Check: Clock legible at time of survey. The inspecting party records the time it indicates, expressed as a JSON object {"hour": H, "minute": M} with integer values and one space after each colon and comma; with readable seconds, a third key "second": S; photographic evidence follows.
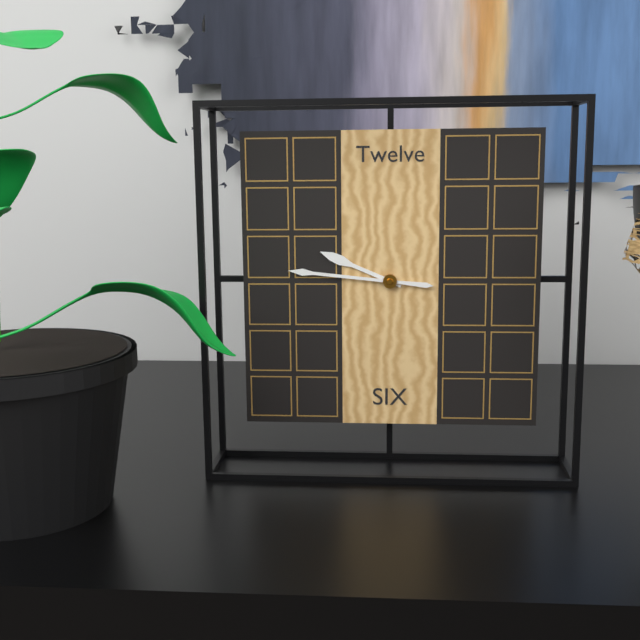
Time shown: {"hour": 9, "minute": 46}
